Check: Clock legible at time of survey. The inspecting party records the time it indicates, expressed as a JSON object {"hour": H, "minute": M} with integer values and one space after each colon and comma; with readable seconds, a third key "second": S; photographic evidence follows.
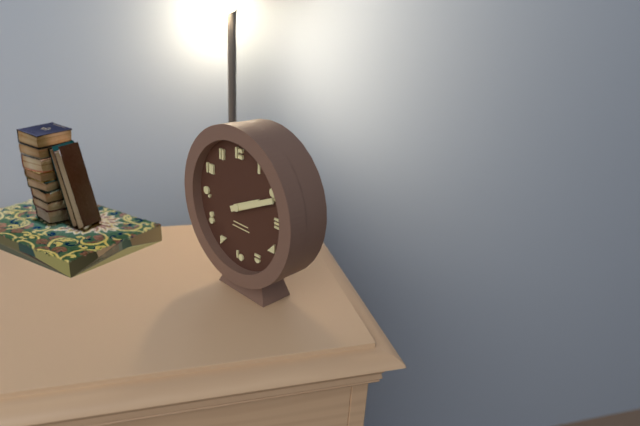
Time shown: {"hour": 2, "minute": 11}
